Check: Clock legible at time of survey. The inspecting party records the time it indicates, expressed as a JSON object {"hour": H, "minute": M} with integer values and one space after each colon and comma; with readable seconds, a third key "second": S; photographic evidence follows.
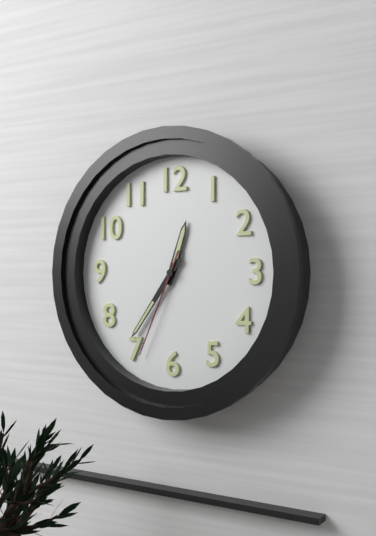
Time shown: {"hour": 12, "minute": 36, "second": 34}
